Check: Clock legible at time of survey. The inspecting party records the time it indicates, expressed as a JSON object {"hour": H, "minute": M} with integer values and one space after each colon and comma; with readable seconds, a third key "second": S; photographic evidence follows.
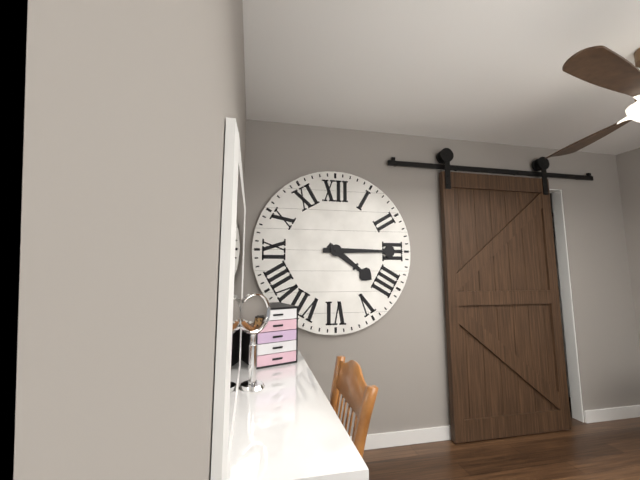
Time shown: {"hour": 4, "minute": 15}
